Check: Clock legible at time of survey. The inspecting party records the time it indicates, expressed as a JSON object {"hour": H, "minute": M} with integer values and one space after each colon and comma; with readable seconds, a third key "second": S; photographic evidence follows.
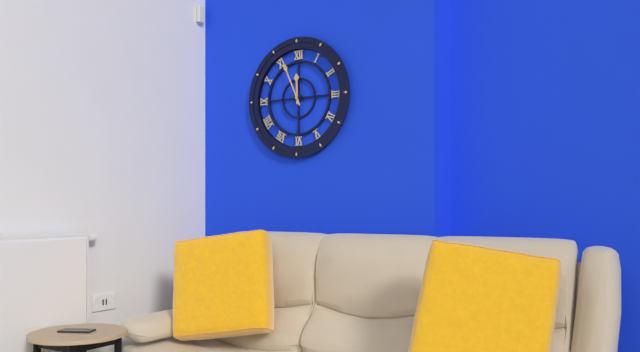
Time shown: {"hour": 11, "minute": 56}
